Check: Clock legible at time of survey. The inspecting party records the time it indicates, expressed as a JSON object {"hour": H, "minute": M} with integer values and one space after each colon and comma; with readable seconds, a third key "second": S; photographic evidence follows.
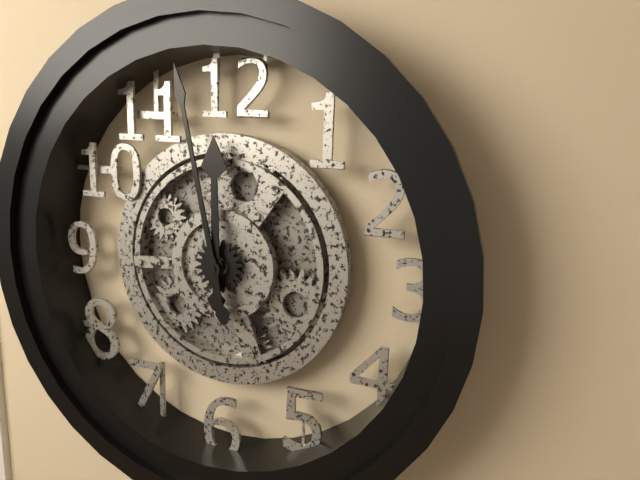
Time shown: {"hour": 11, "minute": 58}
